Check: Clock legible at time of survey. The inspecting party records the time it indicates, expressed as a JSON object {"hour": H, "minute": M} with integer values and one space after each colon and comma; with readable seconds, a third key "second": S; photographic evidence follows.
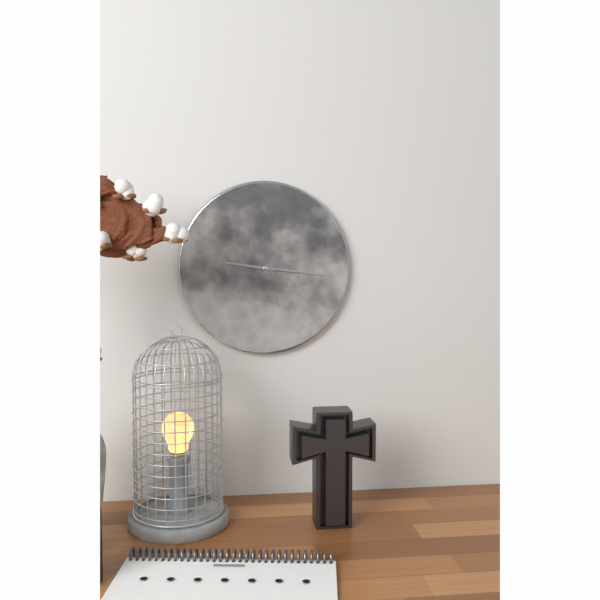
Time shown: {"hour": 9, "minute": 16}
